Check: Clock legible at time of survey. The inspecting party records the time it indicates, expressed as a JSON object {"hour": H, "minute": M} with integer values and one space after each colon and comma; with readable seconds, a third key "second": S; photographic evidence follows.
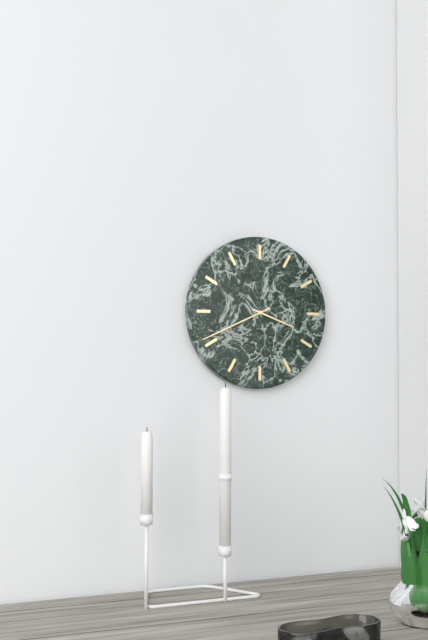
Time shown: {"hour": 3, "minute": 41}
